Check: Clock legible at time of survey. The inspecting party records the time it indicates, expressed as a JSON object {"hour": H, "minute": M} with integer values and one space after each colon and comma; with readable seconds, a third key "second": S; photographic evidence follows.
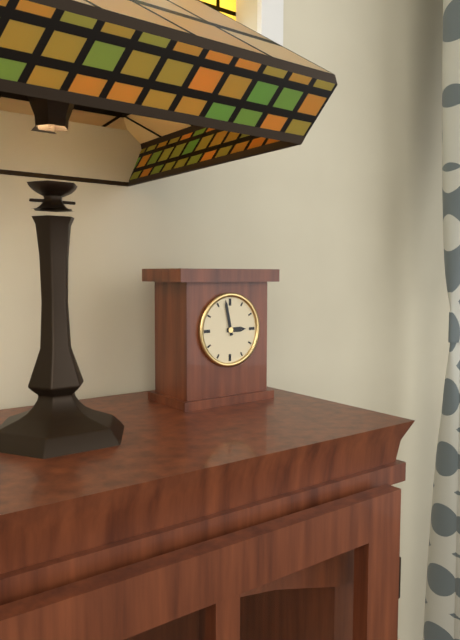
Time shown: {"hour": 2, "minute": 58}
